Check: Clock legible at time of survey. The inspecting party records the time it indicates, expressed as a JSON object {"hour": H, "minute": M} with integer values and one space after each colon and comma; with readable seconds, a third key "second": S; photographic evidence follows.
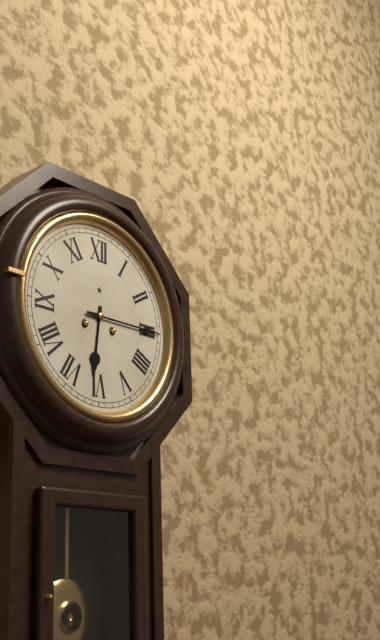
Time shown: {"hour": 6, "minute": 15}
